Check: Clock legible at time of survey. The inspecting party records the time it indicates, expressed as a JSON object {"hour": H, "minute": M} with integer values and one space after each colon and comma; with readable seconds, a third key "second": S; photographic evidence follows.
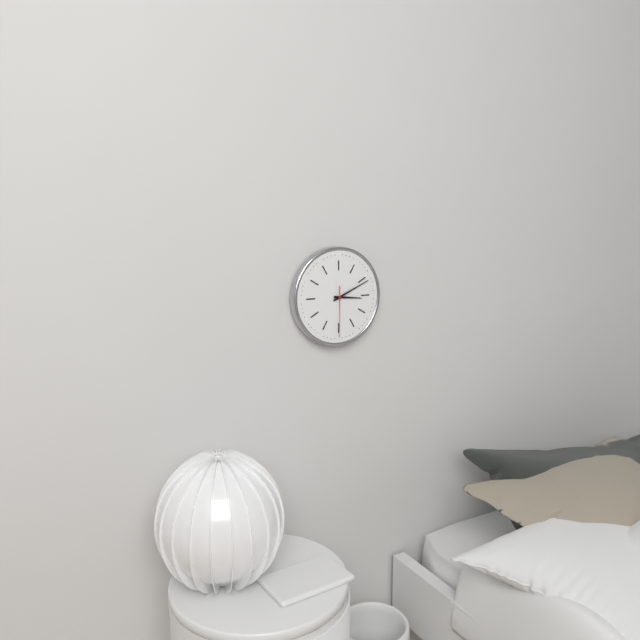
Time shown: {"hour": 3, "minute": 11, "second": 30}
